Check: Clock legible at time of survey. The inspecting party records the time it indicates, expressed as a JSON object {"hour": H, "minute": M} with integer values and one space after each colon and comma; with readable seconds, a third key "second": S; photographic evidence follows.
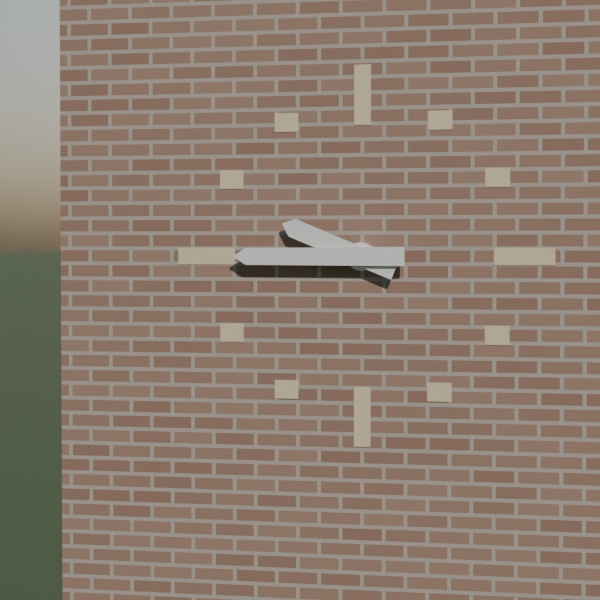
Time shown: {"hour": 9, "minute": 45}
